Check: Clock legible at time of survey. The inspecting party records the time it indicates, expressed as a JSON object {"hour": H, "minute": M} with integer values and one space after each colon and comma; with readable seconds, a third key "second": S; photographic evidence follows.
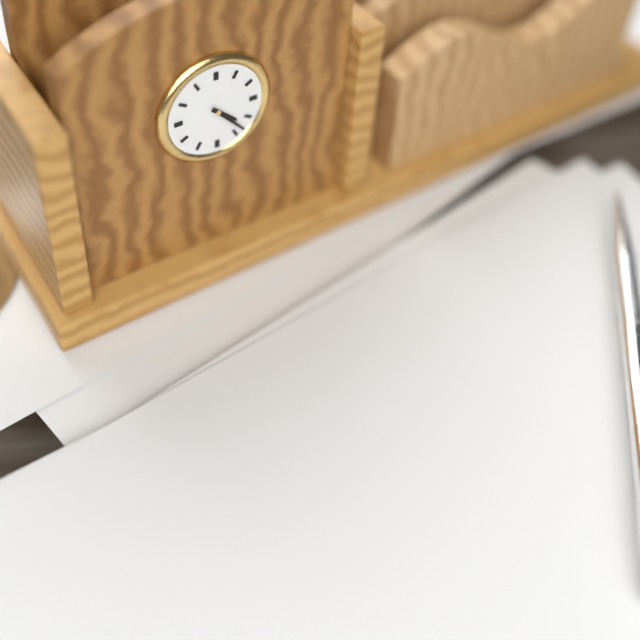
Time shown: {"hour": 4, "minute": 23}
